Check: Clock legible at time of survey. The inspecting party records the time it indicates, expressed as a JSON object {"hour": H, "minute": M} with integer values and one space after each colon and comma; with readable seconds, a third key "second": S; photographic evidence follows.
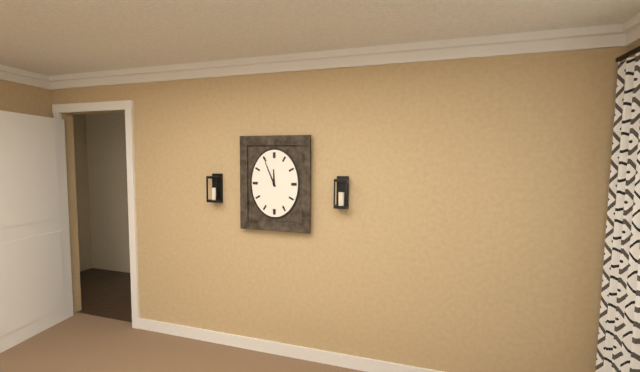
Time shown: {"hour": 11, "minute": 56}
